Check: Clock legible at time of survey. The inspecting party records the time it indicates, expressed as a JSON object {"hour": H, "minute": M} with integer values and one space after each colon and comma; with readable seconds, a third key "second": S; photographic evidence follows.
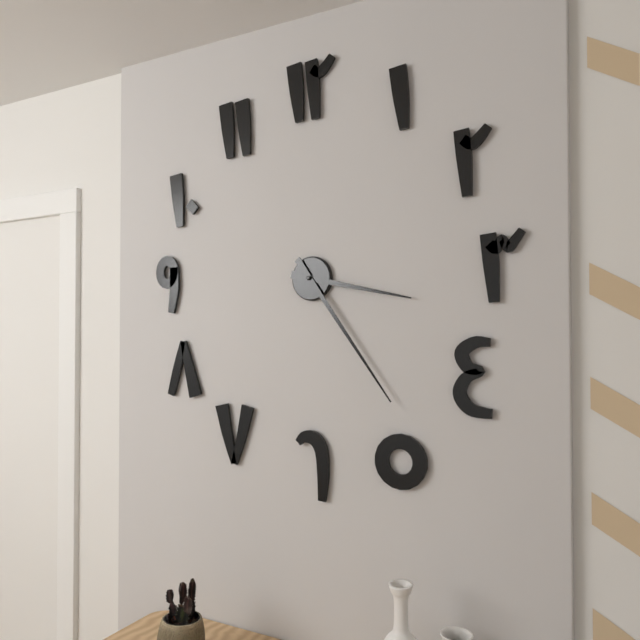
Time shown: {"hour": 3, "minute": 24}
